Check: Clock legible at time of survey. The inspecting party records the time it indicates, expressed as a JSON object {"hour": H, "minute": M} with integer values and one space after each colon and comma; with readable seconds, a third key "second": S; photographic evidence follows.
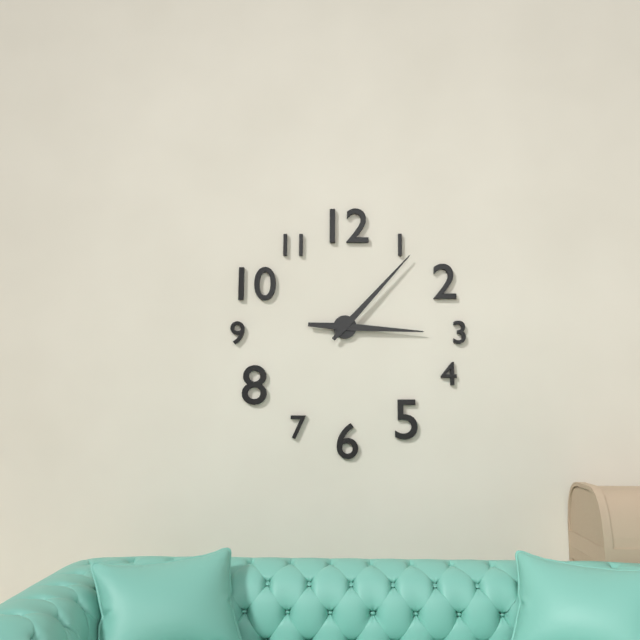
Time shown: {"hour": 3, "minute": 7}
